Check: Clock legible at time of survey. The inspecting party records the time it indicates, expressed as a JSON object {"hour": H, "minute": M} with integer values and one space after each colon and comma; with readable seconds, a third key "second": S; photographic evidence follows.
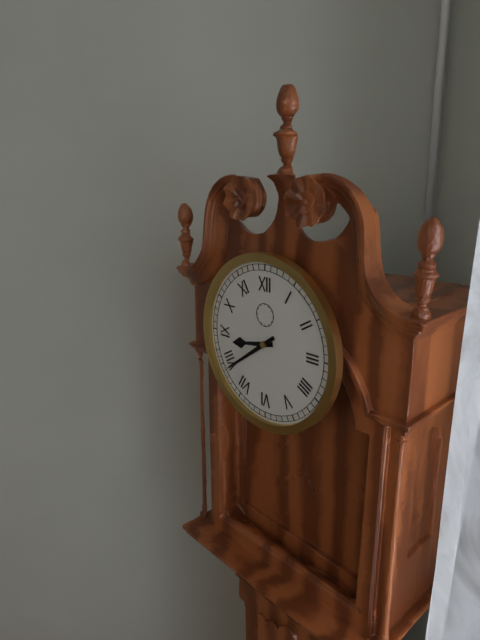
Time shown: {"hour": 8, "minute": 39}
